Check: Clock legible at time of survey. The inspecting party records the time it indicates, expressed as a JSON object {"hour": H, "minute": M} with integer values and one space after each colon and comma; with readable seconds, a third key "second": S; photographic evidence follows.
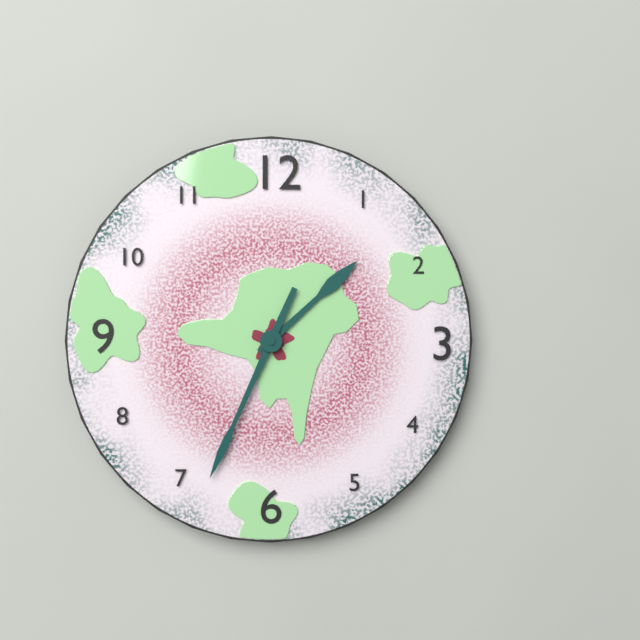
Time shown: {"hour": 1, "minute": 34}
